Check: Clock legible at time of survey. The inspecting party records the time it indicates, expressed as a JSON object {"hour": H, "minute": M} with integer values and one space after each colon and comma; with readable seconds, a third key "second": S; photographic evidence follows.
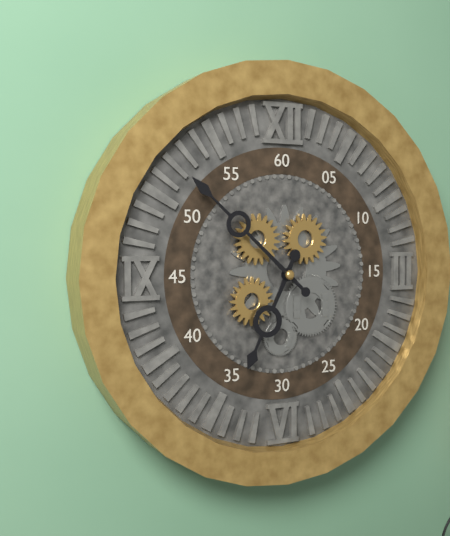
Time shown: {"hour": 6, "minute": 52}
